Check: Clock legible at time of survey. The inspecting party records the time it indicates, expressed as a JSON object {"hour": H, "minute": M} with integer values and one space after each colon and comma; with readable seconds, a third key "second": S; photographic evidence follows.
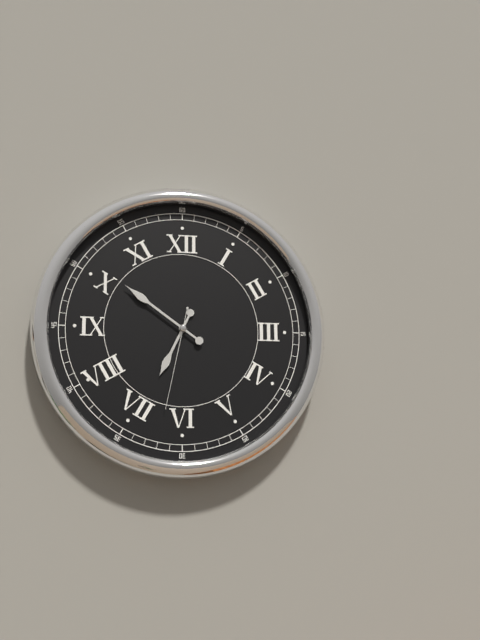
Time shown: {"hour": 6, "minute": 51, "second": 32}
